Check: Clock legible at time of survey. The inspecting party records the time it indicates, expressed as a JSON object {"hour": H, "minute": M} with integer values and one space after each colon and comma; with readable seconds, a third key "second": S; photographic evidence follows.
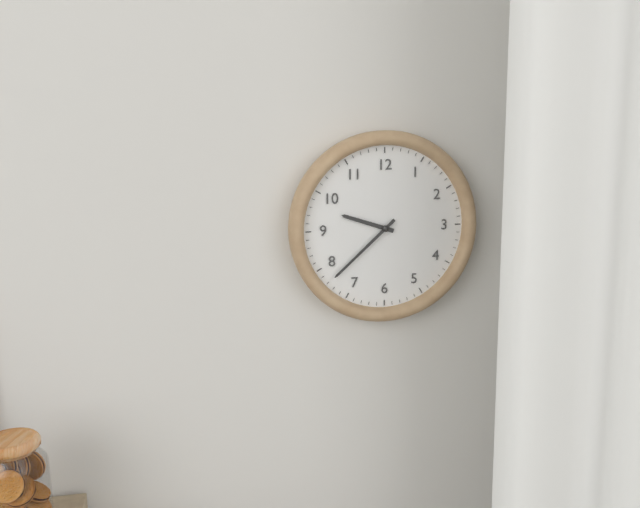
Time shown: {"hour": 9, "minute": 38}
